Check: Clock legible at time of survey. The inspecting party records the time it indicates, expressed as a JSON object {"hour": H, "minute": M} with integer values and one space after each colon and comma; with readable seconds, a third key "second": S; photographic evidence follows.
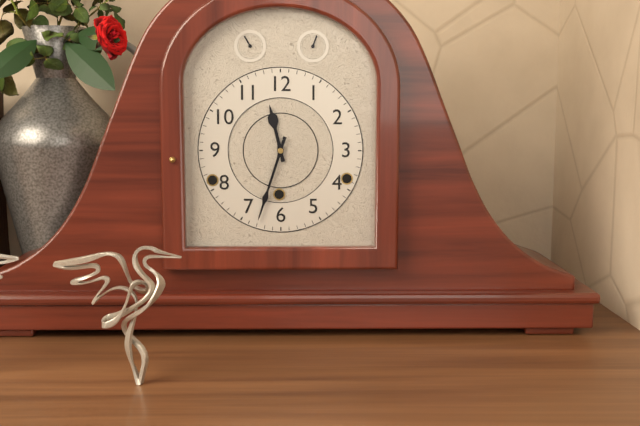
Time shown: {"hour": 11, "minute": 33}
